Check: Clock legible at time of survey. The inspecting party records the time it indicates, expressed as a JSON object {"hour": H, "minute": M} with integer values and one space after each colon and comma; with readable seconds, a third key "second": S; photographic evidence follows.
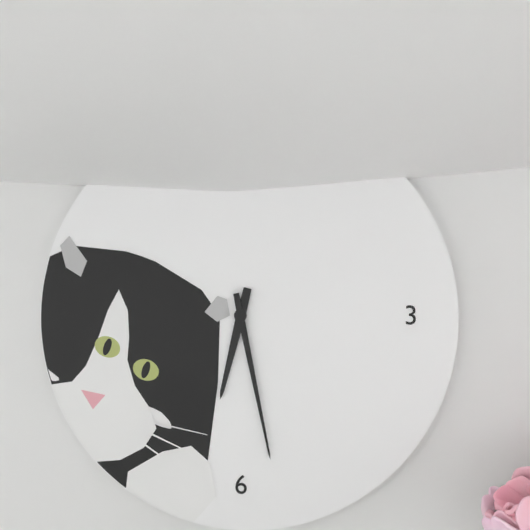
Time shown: {"hour": 6, "minute": 28}
